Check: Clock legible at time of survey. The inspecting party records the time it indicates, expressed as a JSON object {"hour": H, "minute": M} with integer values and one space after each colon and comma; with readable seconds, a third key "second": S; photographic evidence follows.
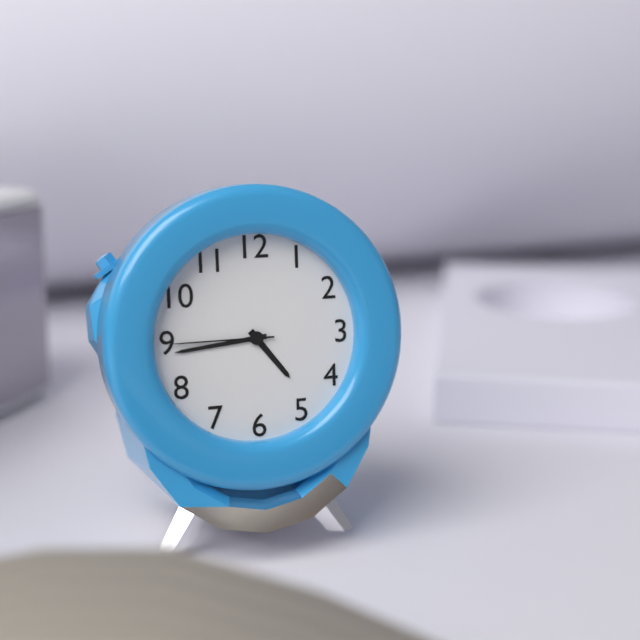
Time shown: {"hour": 4, "minute": 44, "second": 45}
